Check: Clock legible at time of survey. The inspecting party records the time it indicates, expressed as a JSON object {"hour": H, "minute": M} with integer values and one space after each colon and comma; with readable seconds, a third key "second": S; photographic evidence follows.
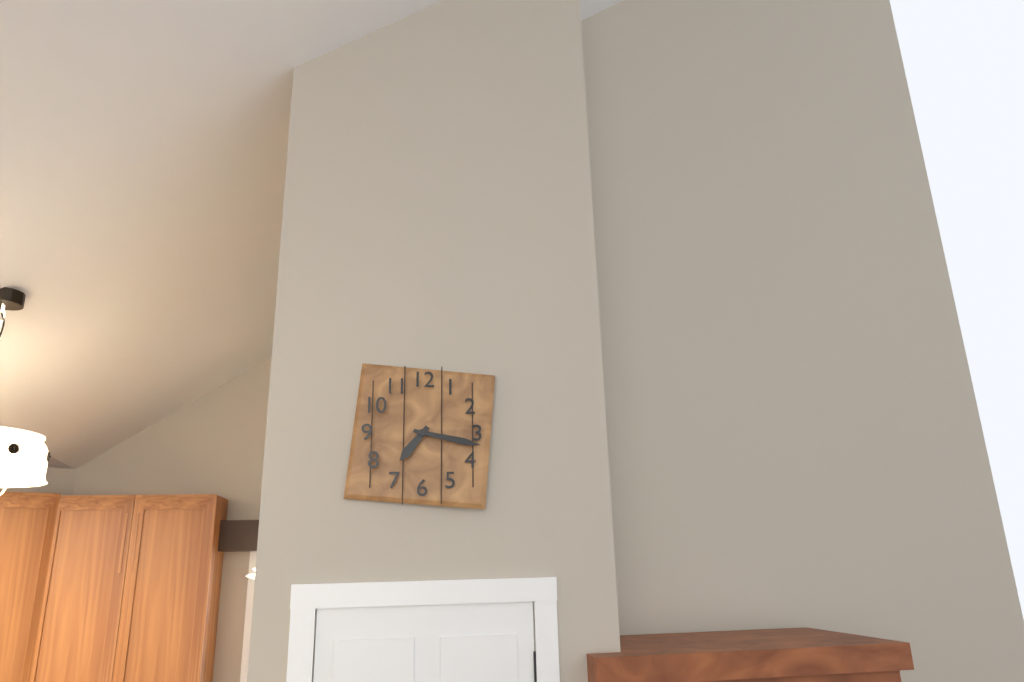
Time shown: {"hour": 7, "minute": 17}
